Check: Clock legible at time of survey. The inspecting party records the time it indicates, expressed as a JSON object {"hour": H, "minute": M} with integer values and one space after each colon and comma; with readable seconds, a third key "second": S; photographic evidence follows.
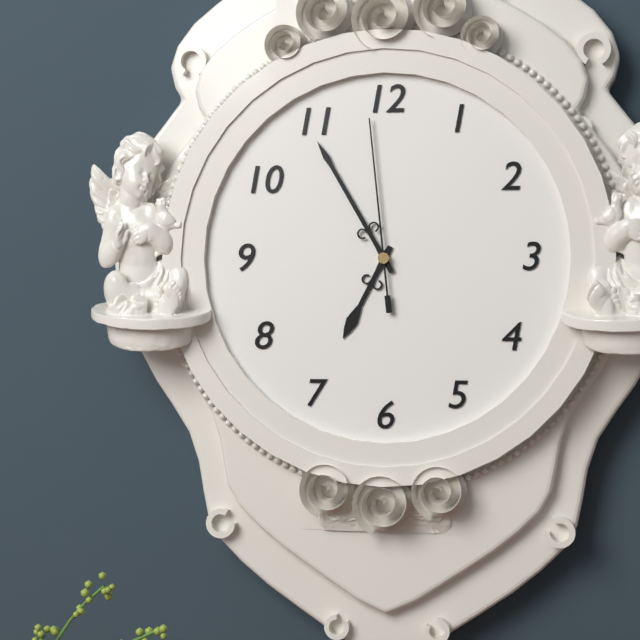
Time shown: {"hour": 6, "minute": 55, "second": 59}
